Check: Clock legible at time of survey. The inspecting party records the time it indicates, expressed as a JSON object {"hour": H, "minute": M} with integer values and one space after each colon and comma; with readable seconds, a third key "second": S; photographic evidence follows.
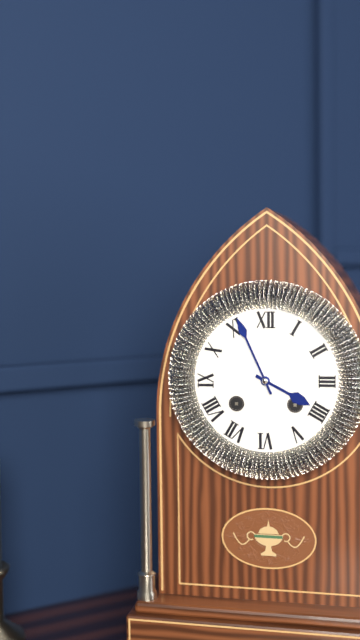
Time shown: {"hour": 3, "minute": 56}
